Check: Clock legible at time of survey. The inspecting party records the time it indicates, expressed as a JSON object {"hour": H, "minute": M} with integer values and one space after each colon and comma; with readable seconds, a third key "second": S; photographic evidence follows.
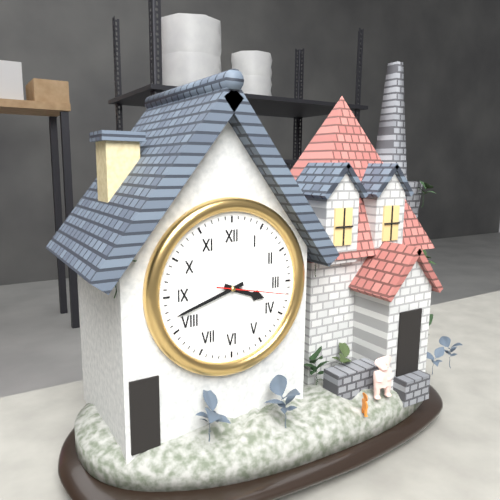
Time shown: {"hour": 3, "minute": 42, "second": 17}
